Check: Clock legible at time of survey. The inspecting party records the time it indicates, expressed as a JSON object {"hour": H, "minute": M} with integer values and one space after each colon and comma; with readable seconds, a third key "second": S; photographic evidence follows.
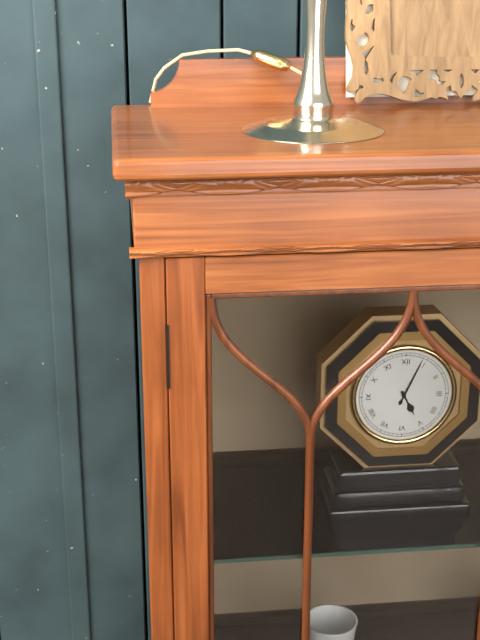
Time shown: {"hour": 5, "minute": 4}
